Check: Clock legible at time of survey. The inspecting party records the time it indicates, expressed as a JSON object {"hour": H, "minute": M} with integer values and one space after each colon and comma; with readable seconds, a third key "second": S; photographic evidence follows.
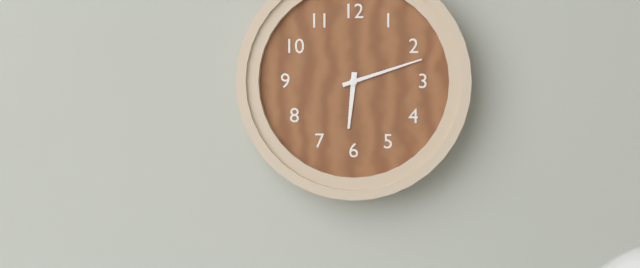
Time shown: {"hour": 6, "minute": 12}
